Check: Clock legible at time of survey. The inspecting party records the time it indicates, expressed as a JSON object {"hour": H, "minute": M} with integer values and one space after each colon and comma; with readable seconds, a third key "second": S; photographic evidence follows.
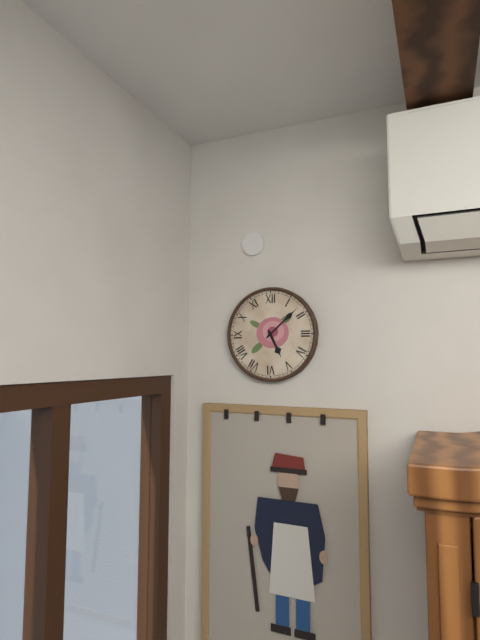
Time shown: {"hour": 5, "minute": 8}
